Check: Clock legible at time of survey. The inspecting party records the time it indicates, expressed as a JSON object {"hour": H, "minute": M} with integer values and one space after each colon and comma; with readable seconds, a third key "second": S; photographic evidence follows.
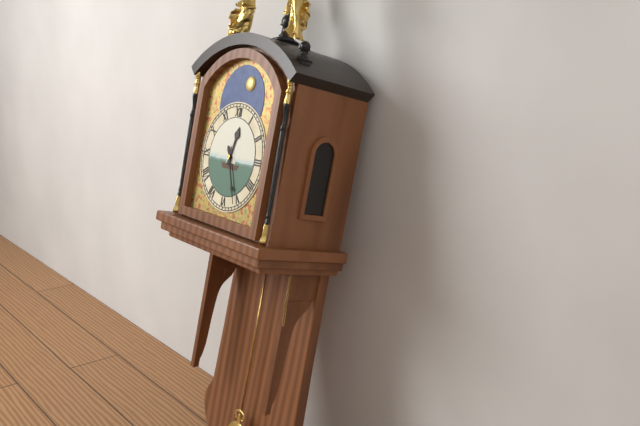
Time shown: {"hour": 12, "minute": 26}
